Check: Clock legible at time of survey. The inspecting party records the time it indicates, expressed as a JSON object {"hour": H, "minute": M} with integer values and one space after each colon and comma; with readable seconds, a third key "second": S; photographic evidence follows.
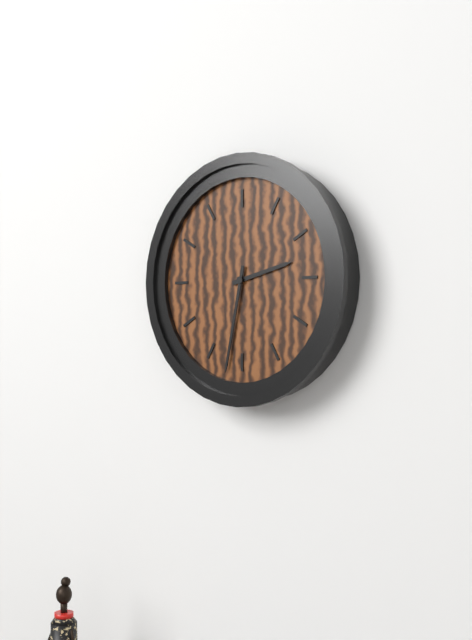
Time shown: {"hour": 2, "minute": 32}
